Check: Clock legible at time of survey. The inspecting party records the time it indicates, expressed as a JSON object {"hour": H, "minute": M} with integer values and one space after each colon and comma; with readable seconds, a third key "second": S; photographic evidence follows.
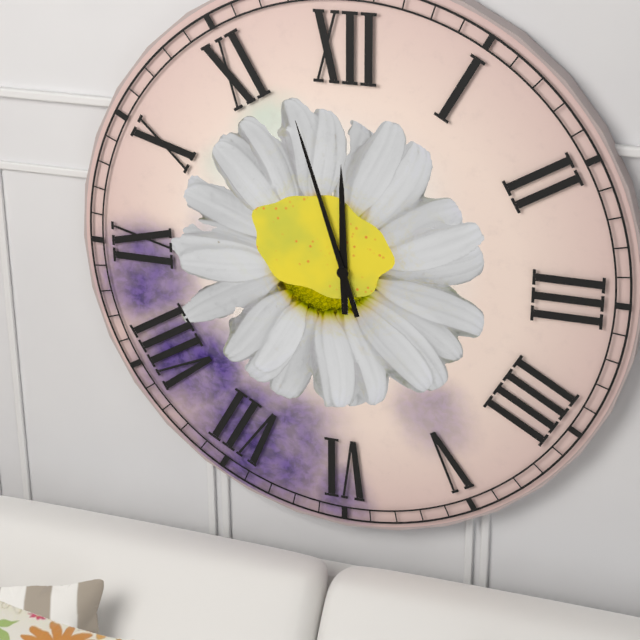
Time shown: {"hour": 11, "minute": 57}
